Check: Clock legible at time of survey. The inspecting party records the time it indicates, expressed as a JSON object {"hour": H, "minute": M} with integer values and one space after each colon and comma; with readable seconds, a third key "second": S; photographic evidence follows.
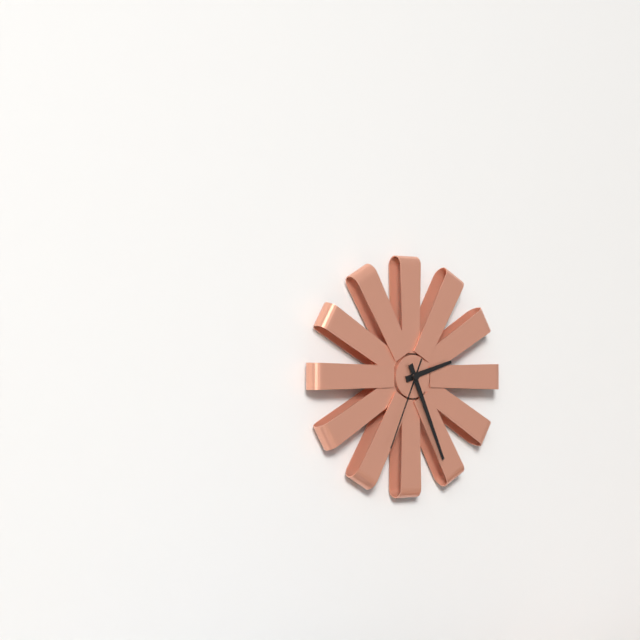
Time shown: {"hour": 2, "minute": 26, "second": 34}
